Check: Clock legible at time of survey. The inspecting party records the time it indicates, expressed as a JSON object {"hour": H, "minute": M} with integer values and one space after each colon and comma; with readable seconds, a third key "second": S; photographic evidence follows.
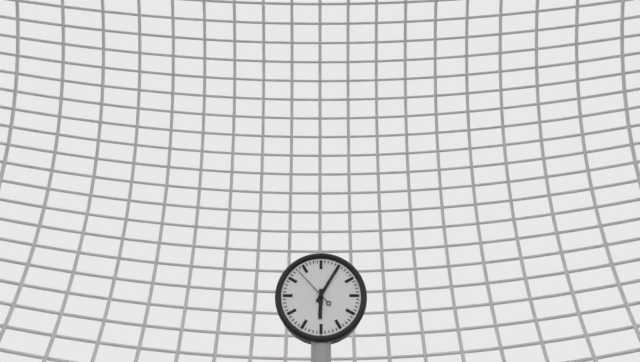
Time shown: {"hour": 6, "minute": 5}
